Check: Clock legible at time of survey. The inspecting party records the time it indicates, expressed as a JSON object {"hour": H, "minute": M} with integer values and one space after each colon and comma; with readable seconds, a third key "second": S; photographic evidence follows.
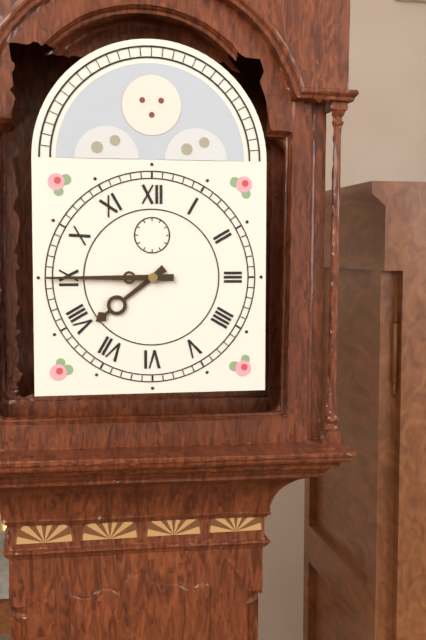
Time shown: {"hour": 7, "minute": 45}
